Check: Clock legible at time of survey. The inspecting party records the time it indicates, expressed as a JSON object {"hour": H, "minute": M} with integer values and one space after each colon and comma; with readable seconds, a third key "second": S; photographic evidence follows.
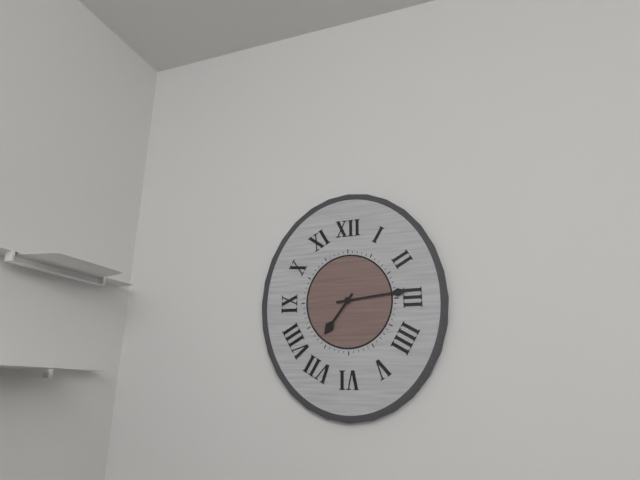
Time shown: {"hour": 7, "minute": 14}
